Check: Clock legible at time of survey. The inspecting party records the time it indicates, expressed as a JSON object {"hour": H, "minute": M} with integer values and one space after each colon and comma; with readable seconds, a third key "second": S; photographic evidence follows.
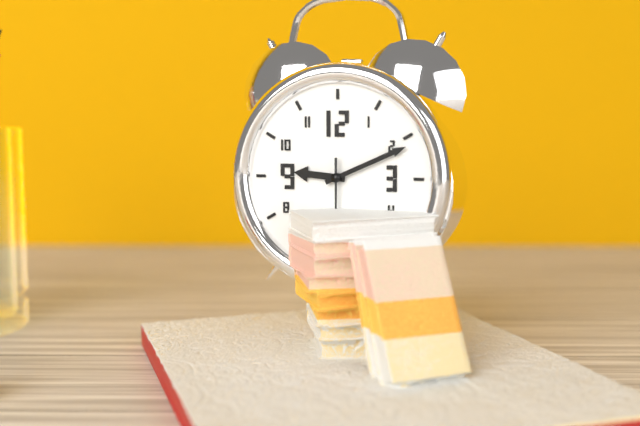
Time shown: {"hour": 9, "minute": 11}
